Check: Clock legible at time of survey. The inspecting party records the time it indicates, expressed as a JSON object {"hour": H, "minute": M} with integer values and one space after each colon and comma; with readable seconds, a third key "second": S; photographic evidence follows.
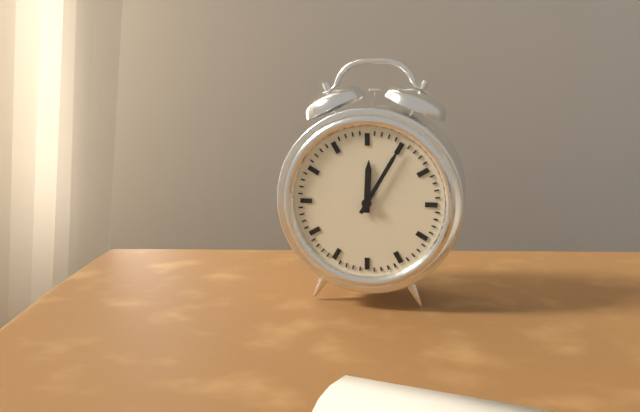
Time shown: {"hour": 12, "minute": 5}
